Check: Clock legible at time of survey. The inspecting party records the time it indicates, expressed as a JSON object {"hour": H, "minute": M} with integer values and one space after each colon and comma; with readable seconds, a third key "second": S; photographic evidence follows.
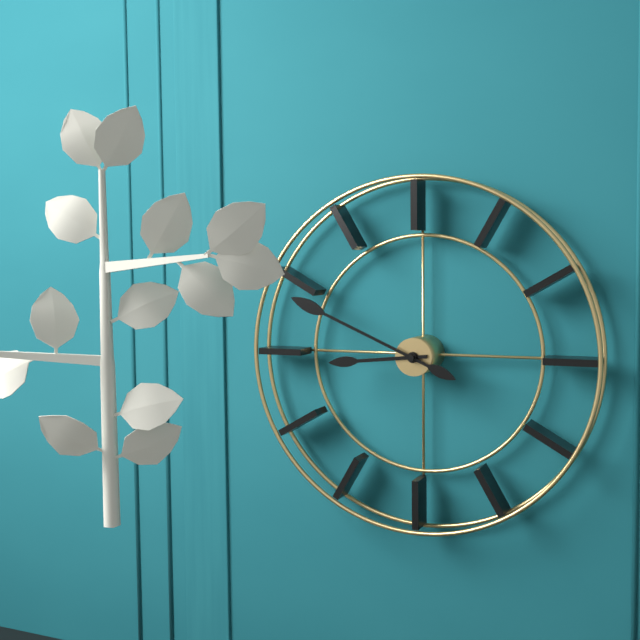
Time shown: {"hour": 8, "minute": 49}
